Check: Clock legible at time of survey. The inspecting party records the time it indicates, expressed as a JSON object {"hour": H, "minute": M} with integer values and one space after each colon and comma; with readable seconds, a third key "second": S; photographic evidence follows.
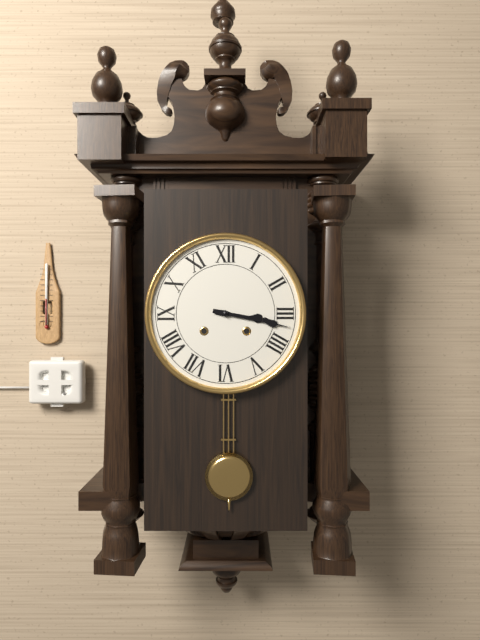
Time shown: {"hour": 3, "minute": 17}
